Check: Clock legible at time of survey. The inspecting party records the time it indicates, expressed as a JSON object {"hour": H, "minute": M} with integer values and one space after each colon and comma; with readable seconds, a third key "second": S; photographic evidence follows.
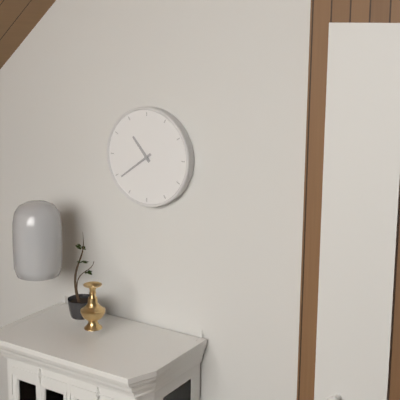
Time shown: {"hour": 10, "minute": 39}
